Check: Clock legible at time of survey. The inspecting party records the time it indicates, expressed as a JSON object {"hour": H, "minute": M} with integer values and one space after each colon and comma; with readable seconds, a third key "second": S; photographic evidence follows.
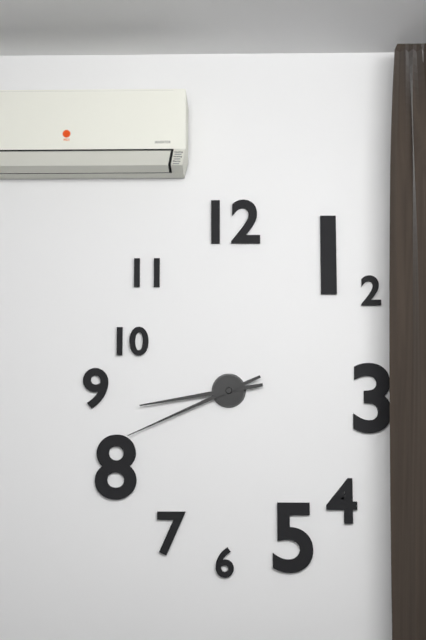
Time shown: {"hour": 8, "minute": 41}
